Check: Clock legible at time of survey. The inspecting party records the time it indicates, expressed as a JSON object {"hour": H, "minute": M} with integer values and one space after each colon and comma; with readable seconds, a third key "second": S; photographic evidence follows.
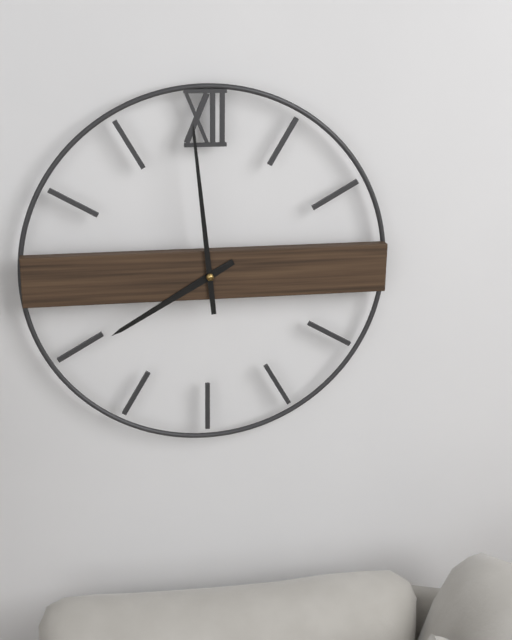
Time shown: {"hour": 7, "minute": 59}
